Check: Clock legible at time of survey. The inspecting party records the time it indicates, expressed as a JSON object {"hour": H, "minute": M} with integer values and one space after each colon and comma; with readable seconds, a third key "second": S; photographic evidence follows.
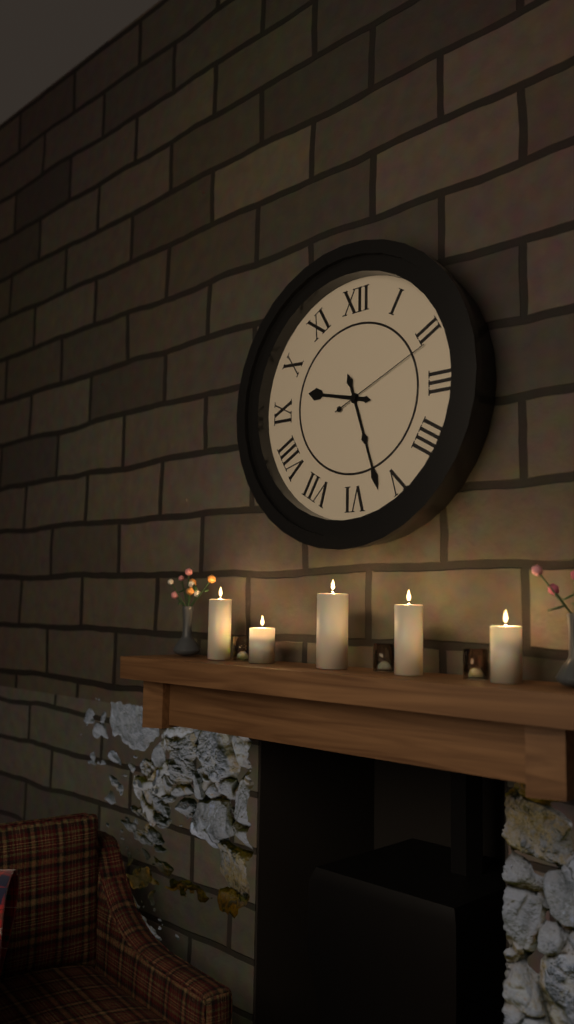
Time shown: {"hour": 9, "minute": 27, "second": 11}
